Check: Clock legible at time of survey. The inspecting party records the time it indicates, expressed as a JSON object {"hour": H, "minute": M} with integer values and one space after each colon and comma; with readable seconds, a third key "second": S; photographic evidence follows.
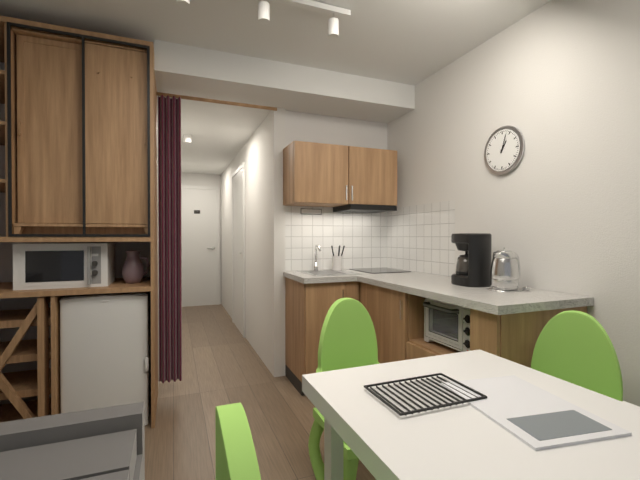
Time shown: {"hour": 1, "minute": 3}
